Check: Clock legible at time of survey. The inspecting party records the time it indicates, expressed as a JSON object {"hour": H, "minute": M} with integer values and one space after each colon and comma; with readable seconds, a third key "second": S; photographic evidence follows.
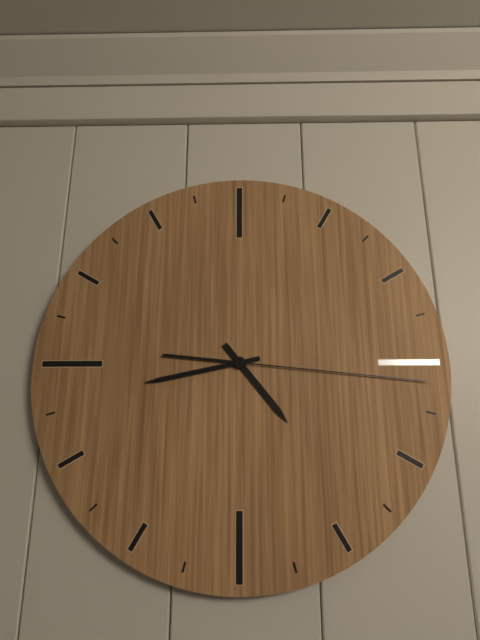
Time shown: {"hour": 4, "minute": 43, "second": 16}
